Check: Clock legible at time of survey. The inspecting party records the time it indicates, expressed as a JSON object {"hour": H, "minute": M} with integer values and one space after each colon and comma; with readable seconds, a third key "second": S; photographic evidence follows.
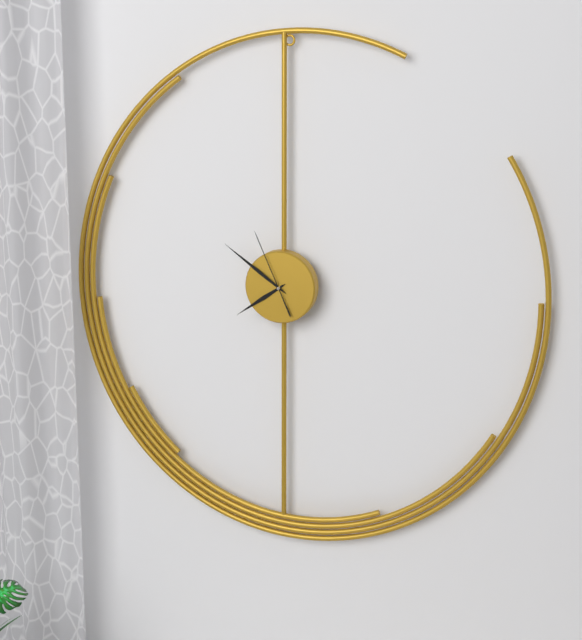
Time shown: {"hour": 7, "minute": 51, "second": 56}
